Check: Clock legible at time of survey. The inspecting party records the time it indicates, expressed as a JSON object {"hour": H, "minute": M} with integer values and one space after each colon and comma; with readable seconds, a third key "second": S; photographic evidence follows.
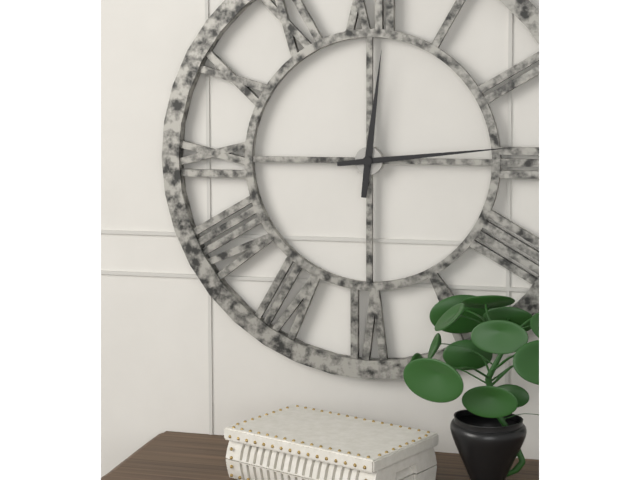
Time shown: {"hour": 12, "minute": 14}
